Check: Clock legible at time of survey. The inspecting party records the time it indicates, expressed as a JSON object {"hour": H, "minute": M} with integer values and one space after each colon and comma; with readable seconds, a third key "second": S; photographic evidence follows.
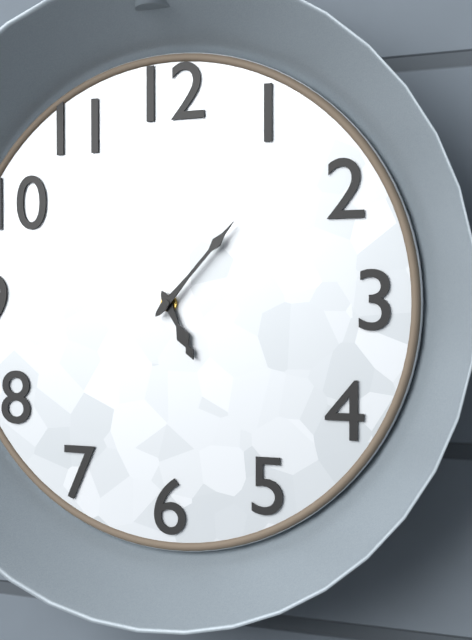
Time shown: {"hour": 5, "minute": 7}
